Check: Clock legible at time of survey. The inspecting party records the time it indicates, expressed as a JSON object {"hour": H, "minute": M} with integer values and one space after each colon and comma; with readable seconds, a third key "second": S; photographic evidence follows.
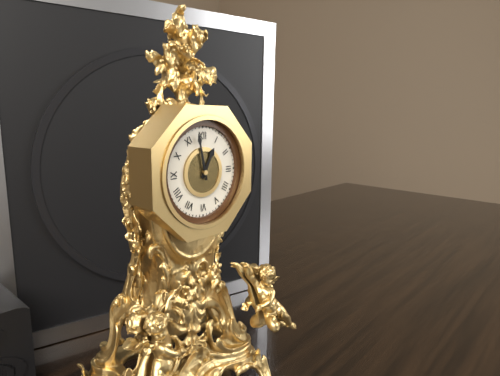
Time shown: {"hour": 12, "minute": 58}
